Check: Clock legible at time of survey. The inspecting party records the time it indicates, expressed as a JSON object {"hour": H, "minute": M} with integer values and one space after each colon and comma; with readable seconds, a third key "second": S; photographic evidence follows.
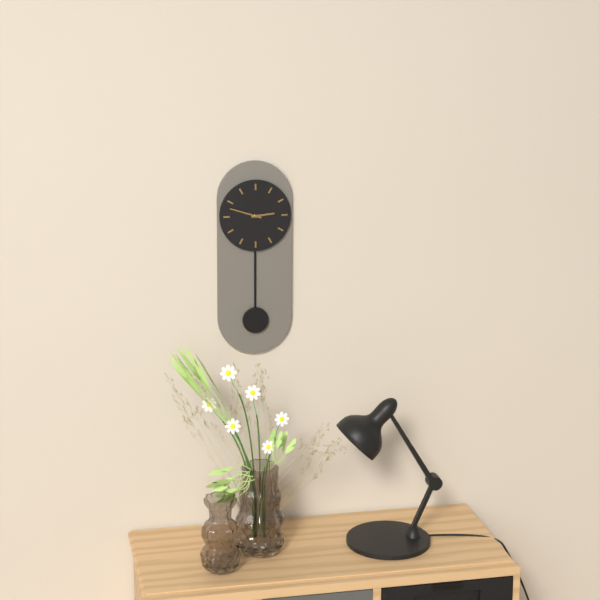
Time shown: {"hour": 2, "minute": 48}
